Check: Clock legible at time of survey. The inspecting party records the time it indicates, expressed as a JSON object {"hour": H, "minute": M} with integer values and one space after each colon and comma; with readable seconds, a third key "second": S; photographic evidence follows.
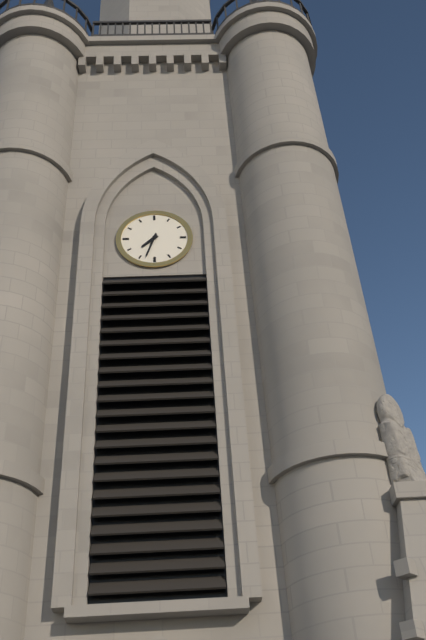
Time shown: {"hour": 7, "minute": 33}
